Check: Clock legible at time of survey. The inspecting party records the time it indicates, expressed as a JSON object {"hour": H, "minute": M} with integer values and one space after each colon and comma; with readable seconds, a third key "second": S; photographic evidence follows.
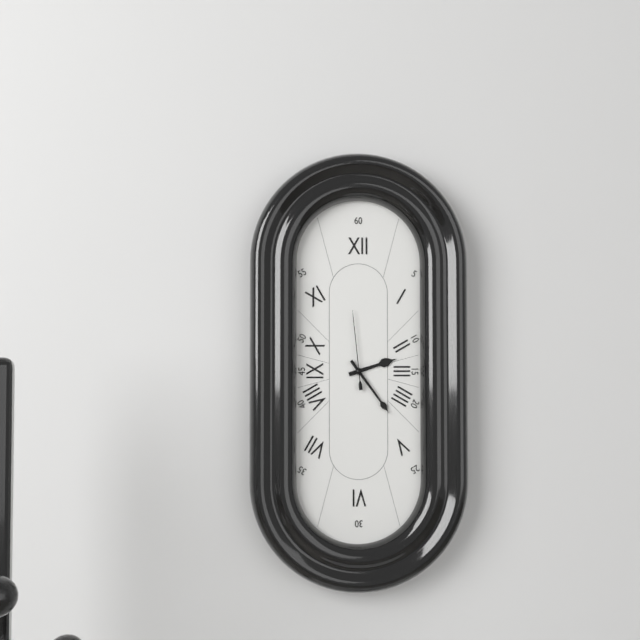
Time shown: {"hour": 2, "minute": 24, "second": 59}
